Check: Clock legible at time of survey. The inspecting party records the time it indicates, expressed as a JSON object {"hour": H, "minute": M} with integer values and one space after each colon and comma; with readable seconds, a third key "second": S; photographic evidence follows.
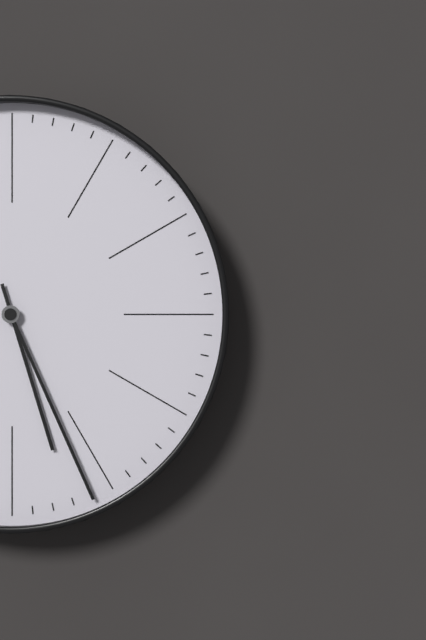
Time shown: {"hour": 5, "minute": 26}
